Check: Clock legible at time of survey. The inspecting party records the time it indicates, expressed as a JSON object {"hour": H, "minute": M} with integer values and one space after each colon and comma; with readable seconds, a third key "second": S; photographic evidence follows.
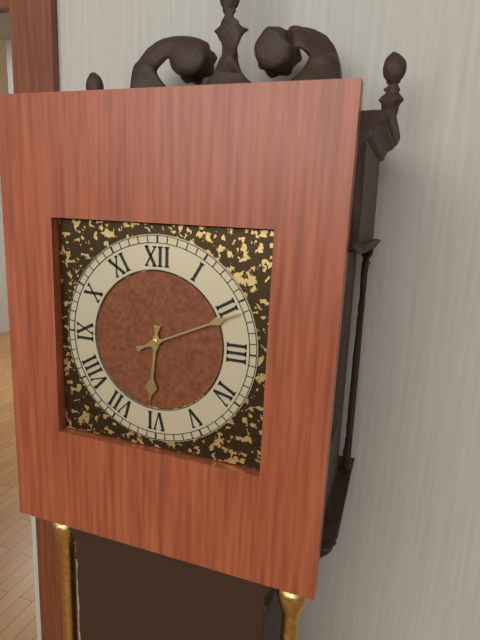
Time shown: {"hour": 6, "minute": 11}
